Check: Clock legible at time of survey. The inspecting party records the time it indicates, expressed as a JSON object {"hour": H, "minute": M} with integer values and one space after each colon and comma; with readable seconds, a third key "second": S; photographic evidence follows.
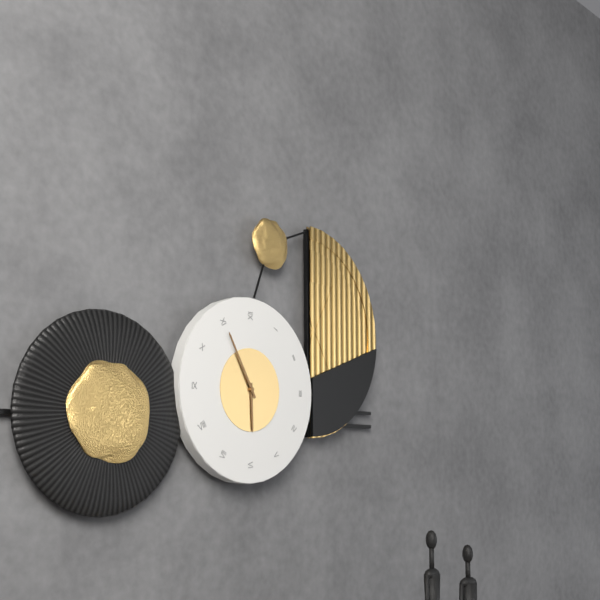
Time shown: {"hour": 5, "minute": 55}
